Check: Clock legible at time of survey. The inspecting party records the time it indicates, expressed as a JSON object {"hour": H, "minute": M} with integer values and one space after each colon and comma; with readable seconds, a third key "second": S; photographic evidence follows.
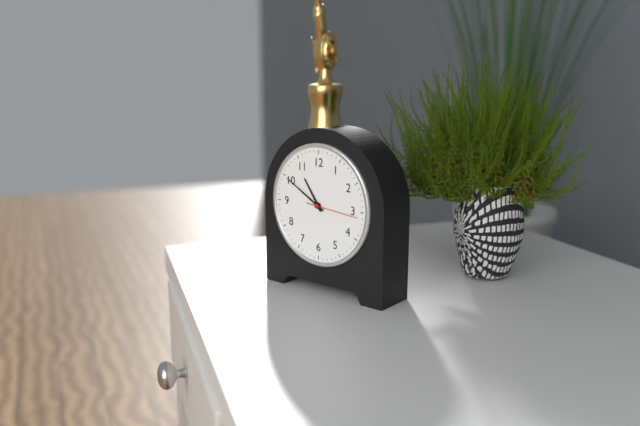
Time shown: {"hour": 10, "minute": 50, "second": 16}
